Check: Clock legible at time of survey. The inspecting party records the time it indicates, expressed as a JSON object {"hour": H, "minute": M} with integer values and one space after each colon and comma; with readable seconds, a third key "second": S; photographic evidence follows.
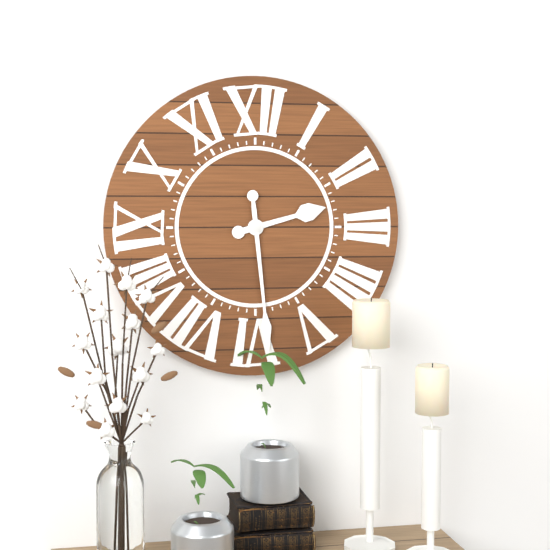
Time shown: {"hour": 2, "minute": 29}
